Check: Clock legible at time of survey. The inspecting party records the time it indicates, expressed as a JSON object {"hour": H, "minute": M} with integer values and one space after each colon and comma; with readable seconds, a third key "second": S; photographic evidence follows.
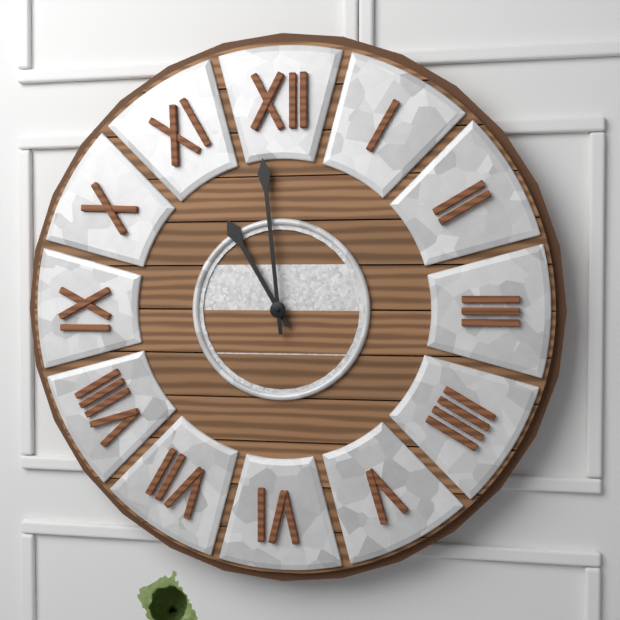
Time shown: {"hour": 10, "minute": 59}
